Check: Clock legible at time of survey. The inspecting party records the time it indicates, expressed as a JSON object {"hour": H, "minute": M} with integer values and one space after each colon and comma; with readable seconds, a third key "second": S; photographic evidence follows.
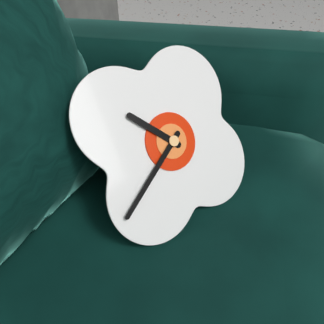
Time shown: {"hour": 10, "minute": 40}
